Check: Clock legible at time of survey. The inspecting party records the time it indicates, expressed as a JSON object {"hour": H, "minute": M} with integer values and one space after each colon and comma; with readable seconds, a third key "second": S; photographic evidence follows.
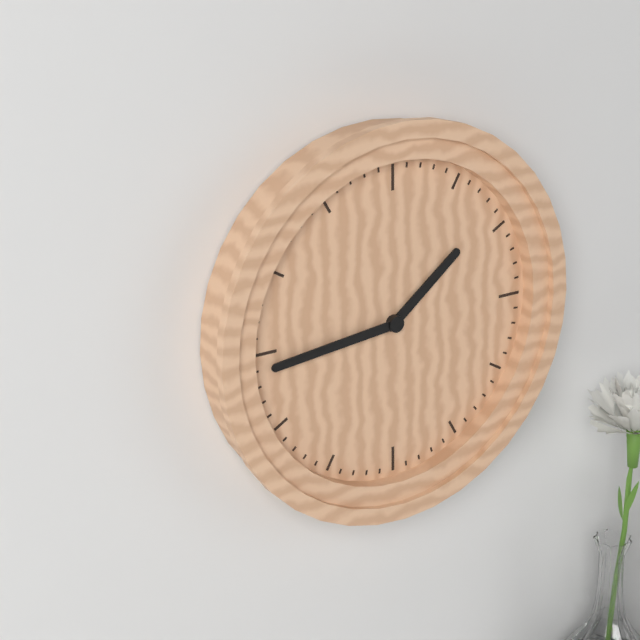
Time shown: {"hour": 1, "minute": 44}
